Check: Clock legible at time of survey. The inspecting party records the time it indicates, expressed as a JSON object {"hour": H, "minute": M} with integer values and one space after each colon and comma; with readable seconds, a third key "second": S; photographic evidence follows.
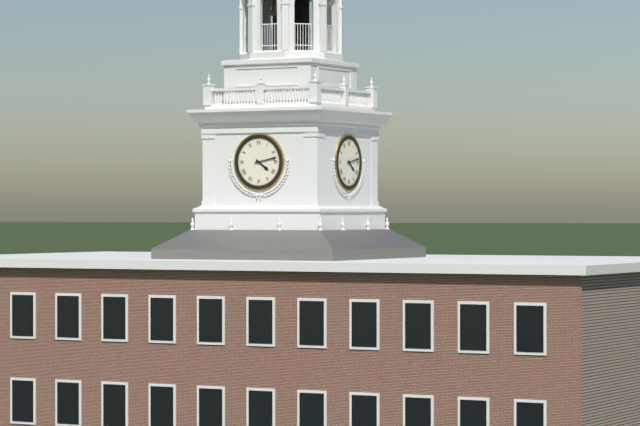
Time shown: {"hour": 4, "minute": 13}
